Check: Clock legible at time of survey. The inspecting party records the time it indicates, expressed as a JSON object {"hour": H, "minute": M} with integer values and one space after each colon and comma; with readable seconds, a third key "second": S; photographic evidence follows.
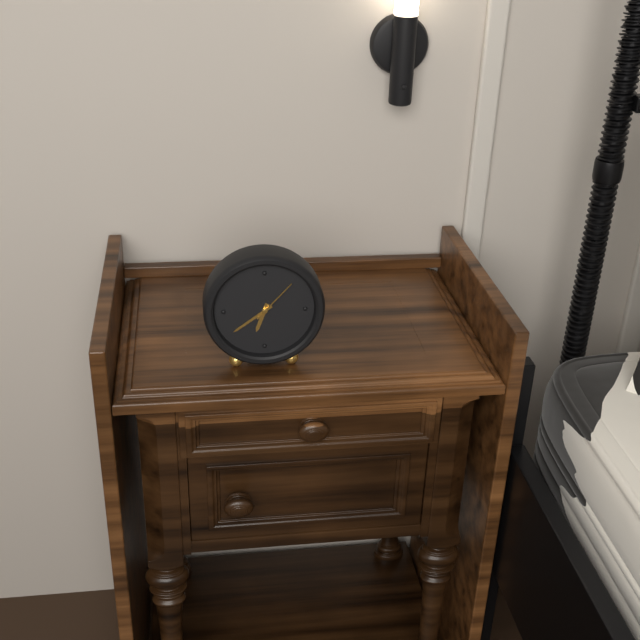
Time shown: {"hour": 6, "minute": 39}
